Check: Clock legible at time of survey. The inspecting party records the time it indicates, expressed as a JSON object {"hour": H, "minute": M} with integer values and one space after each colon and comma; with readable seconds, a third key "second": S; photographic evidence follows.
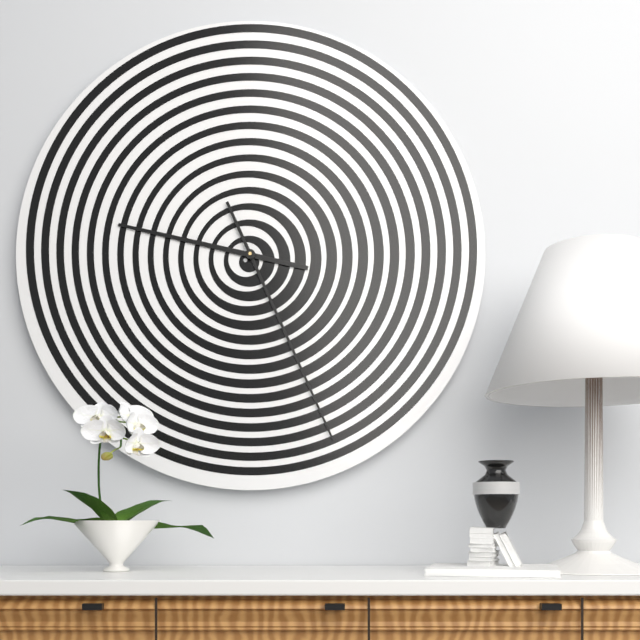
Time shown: {"hour": 9, "minute": 26}
